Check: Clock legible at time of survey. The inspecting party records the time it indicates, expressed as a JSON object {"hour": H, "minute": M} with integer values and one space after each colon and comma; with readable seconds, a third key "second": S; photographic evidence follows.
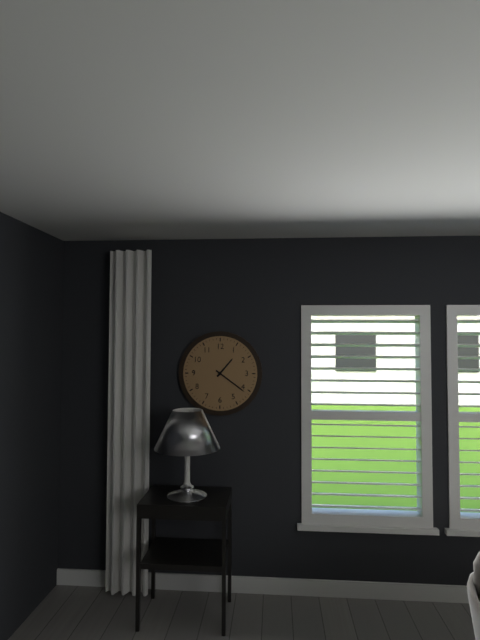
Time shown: {"hour": 1, "minute": 21}
